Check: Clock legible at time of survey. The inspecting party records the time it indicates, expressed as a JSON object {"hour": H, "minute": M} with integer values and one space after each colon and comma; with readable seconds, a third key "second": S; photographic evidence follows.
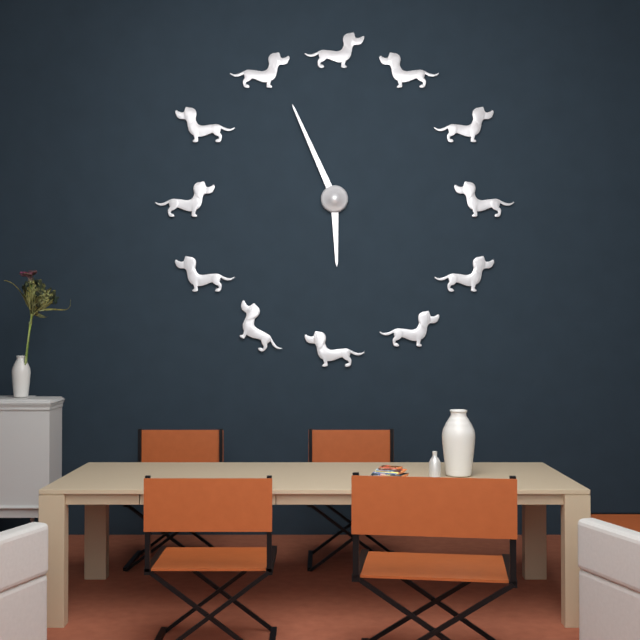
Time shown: {"hour": 5, "minute": 56}
